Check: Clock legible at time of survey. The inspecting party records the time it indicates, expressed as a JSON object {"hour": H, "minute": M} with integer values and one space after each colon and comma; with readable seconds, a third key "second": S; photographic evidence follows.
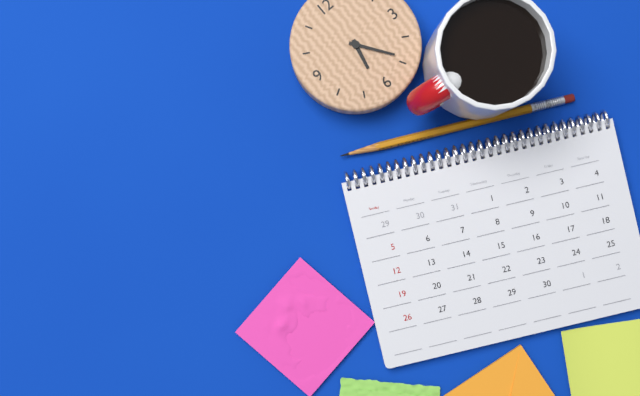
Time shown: {"hour": 6, "minute": 24}
